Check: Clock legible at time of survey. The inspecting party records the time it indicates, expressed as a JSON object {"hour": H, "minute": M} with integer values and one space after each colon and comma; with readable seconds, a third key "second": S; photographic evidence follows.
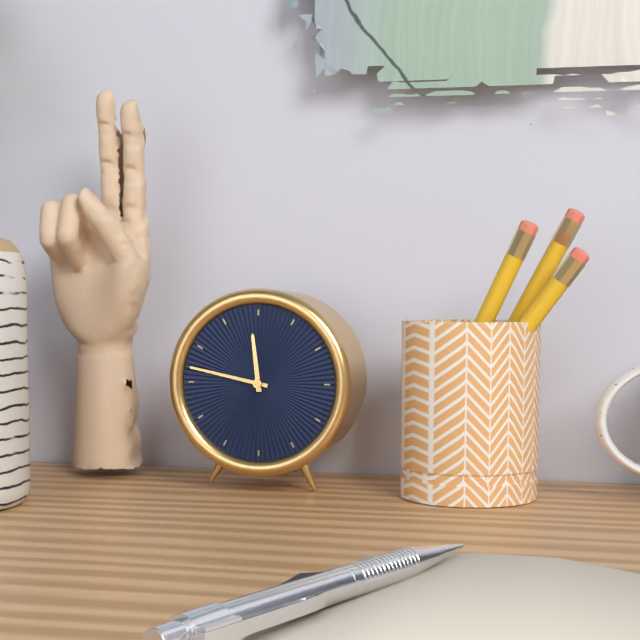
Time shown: {"hour": 11, "minute": 47}
